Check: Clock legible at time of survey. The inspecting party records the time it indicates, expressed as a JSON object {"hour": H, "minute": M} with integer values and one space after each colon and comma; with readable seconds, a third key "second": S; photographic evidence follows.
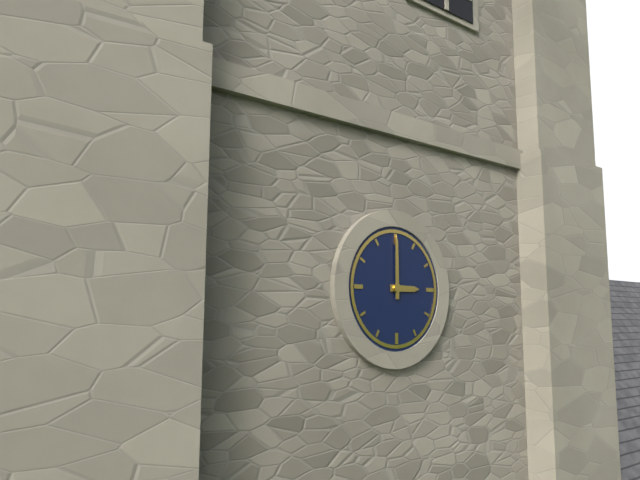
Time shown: {"hour": 3, "minute": 0}
